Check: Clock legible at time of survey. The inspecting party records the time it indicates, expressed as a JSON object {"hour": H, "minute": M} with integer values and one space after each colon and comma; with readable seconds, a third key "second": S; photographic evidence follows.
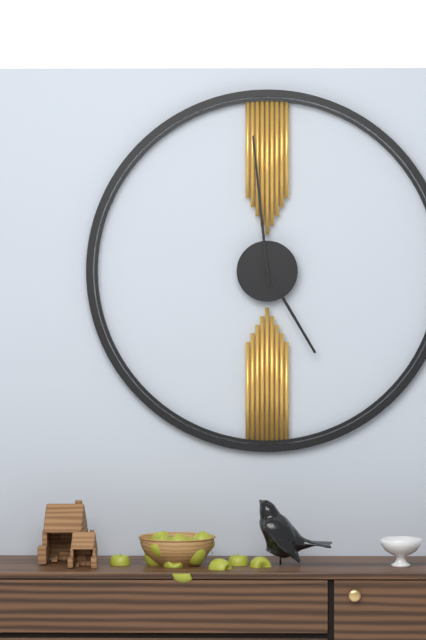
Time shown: {"hour": 4, "minute": 59}
